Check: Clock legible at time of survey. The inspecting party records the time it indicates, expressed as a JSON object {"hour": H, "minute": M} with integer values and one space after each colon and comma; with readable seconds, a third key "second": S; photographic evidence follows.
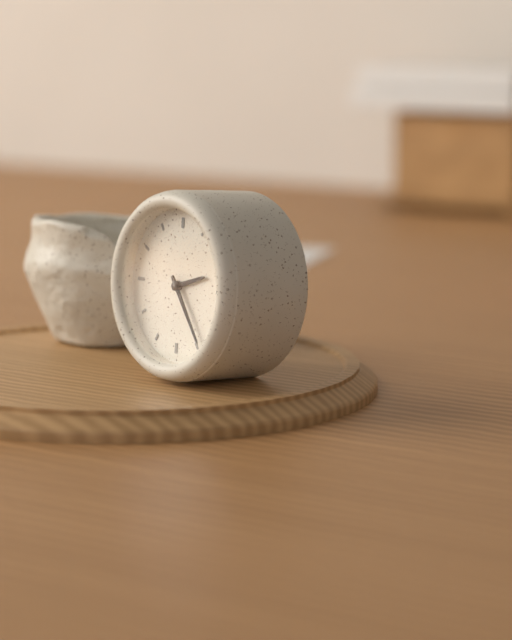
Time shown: {"hour": 2, "minute": 24}
